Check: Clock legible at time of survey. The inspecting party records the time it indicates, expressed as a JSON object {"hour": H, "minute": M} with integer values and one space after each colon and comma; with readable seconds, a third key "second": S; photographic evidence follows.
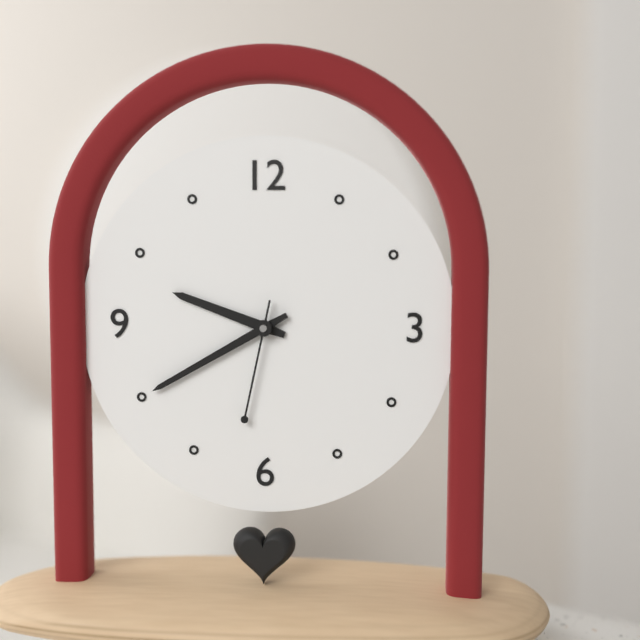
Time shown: {"hour": 9, "minute": 40, "second": 32}
